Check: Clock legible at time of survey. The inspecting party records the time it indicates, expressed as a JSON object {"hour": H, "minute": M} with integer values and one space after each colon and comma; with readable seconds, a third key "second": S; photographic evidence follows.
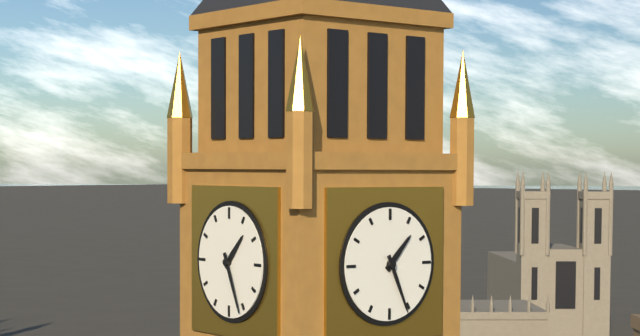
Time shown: {"hour": 1, "minute": 26}
